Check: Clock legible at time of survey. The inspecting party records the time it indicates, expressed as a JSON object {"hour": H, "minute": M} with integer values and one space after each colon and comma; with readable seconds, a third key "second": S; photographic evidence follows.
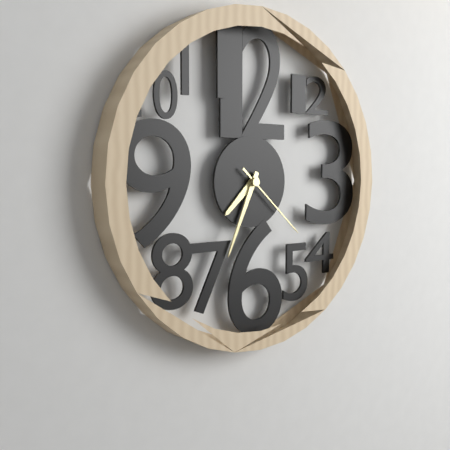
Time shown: {"hour": 7, "minute": 34, "second": 22}
